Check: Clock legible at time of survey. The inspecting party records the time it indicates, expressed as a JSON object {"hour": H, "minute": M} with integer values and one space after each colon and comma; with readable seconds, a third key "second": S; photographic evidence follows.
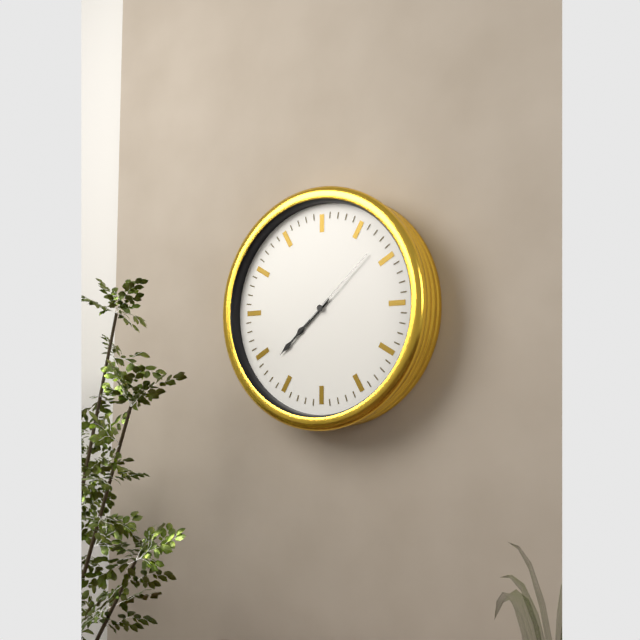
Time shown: {"hour": 7, "minute": 38, "second": 8}
